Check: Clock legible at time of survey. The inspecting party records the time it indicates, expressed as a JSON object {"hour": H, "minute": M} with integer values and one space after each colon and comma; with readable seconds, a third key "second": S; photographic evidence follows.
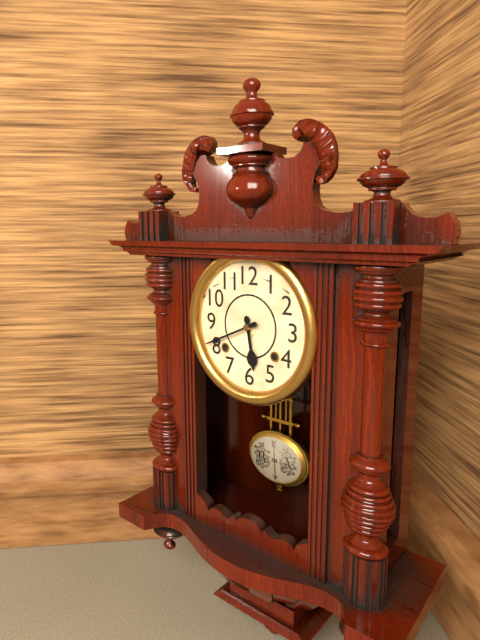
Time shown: {"hour": 5, "minute": 41}
